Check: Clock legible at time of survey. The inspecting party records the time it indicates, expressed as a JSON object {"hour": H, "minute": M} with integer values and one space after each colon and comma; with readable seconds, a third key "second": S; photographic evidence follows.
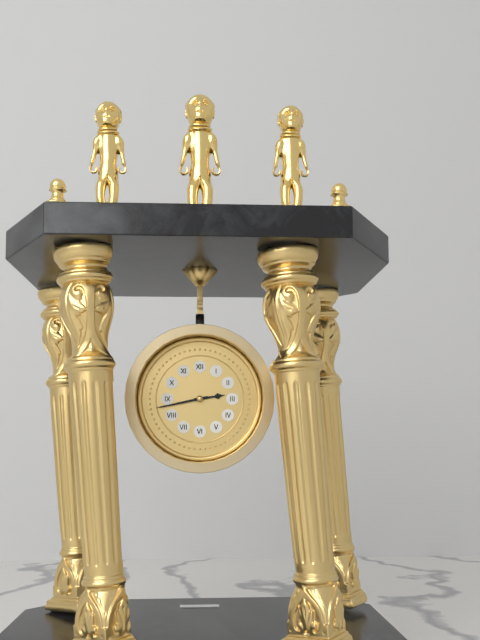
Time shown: {"hour": 2, "minute": 43}
